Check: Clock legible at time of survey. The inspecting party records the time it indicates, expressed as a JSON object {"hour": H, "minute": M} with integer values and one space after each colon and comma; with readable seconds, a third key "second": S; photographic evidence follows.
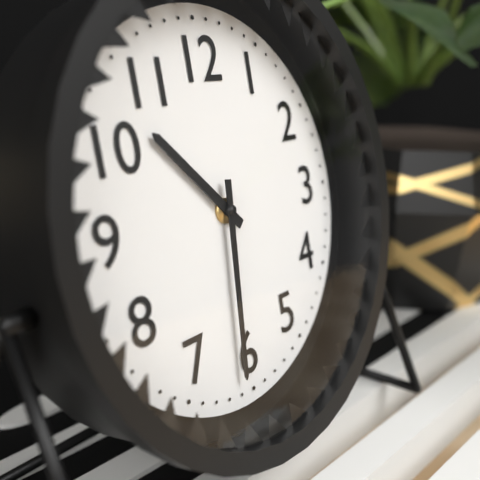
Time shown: {"hour": 10, "minute": 31}
